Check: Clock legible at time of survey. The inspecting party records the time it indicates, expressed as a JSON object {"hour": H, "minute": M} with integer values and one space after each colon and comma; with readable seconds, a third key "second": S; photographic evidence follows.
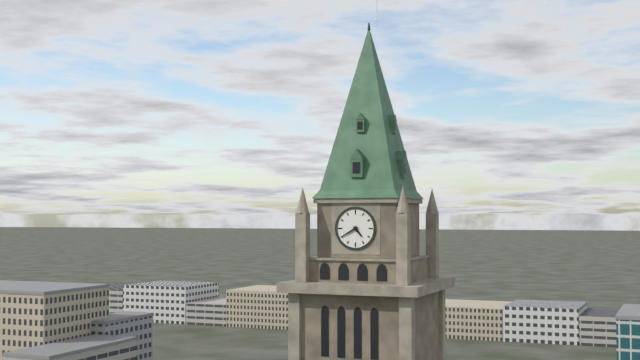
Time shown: {"hour": 4, "minute": 40}
